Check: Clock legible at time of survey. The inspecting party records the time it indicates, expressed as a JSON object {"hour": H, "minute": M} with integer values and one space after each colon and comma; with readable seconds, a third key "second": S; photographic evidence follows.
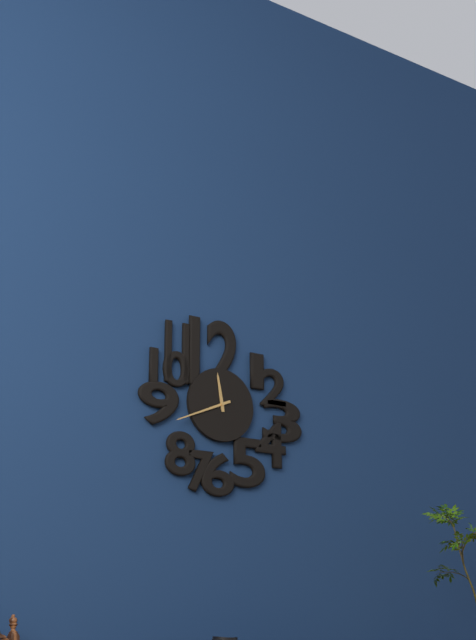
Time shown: {"hour": 11, "minute": 41}
